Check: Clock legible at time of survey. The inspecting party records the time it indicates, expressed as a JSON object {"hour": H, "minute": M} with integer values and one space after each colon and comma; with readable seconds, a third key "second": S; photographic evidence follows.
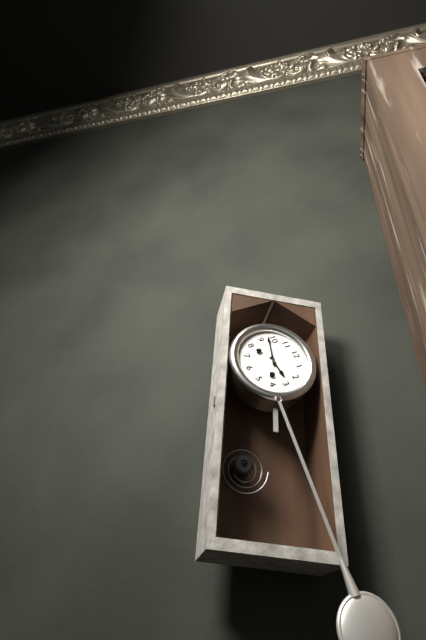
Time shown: {"hour": 2, "minute": 48}
